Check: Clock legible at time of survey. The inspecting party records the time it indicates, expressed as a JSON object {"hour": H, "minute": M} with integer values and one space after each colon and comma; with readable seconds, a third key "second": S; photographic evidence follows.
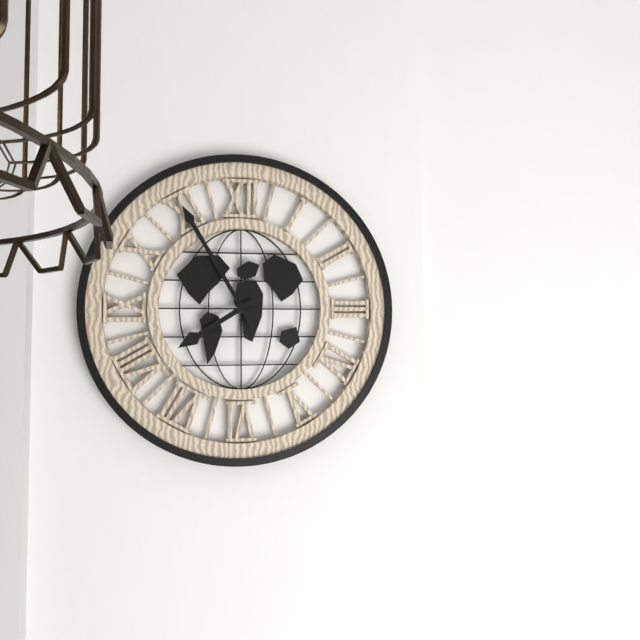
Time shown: {"hour": 7, "minute": 55}
